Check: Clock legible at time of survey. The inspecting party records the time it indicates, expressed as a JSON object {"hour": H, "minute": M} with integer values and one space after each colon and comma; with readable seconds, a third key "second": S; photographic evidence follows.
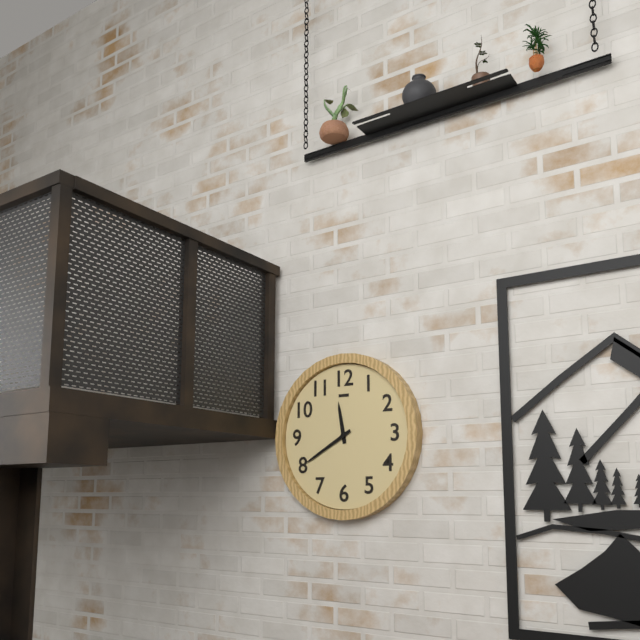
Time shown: {"hour": 11, "minute": 40}
